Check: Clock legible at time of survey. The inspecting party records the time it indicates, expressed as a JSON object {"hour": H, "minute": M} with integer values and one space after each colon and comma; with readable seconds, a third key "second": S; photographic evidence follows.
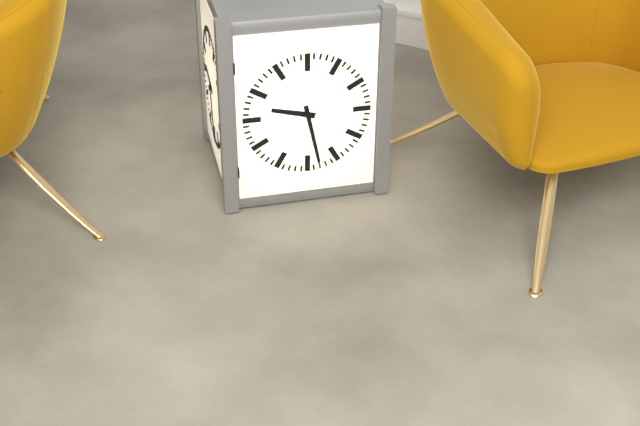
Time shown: {"hour": 9, "minute": 28}
